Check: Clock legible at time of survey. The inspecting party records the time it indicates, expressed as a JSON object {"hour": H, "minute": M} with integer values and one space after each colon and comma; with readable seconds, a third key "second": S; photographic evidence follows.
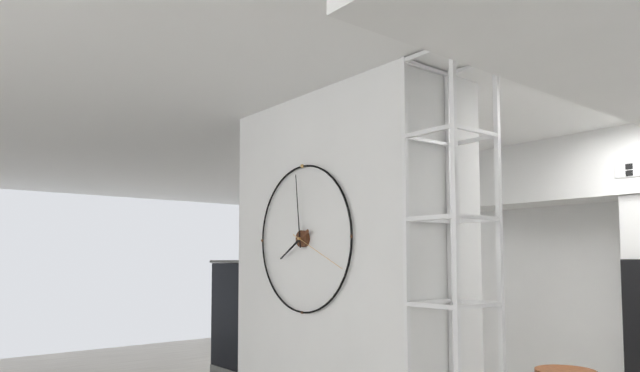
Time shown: {"hour": 7, "minute": 59, "second": 19}
